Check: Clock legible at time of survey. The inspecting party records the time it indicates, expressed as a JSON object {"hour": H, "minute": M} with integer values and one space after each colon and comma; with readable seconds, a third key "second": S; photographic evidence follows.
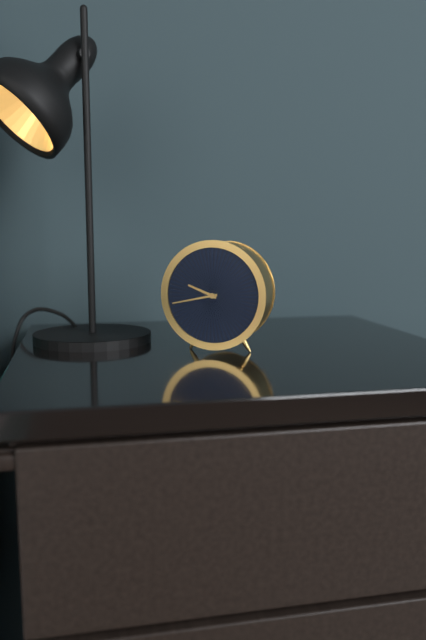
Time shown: {"hour": 9, "minute": 43}
